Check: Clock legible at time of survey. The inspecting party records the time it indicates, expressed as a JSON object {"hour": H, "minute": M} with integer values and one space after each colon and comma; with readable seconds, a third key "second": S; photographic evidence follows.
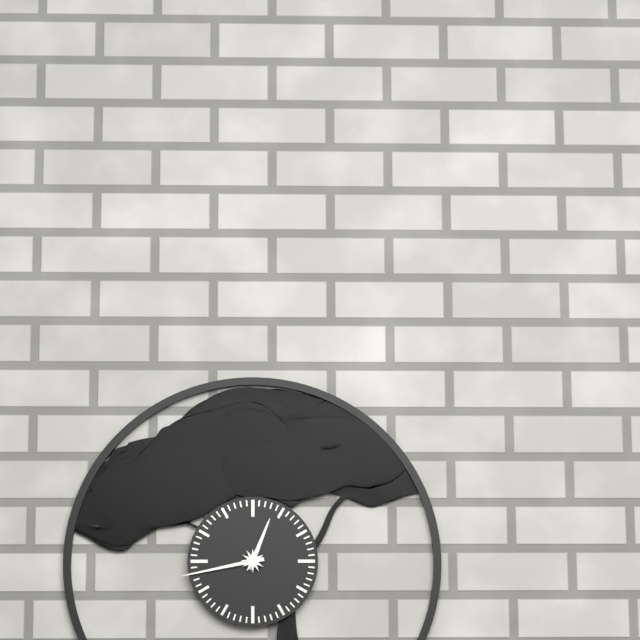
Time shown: {"hour": 12, "minute": 43}
